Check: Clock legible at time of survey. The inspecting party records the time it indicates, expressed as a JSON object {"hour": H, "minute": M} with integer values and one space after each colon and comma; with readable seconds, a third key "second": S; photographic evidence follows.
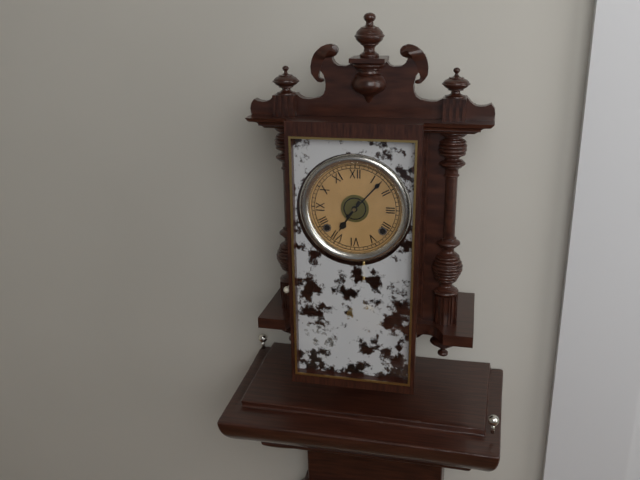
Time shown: {"hour": 7, "minute": 7}
